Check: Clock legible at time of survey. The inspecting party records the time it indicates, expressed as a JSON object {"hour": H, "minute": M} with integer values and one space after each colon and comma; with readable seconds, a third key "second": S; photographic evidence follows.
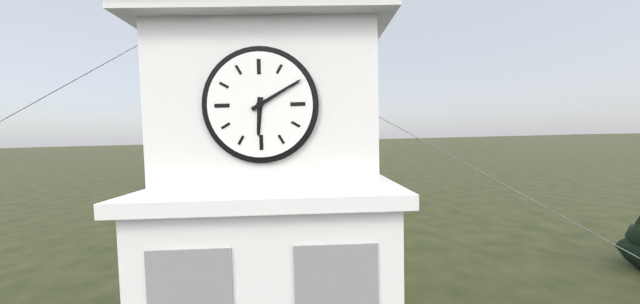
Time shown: {"hour": 6, "minute": 10}
